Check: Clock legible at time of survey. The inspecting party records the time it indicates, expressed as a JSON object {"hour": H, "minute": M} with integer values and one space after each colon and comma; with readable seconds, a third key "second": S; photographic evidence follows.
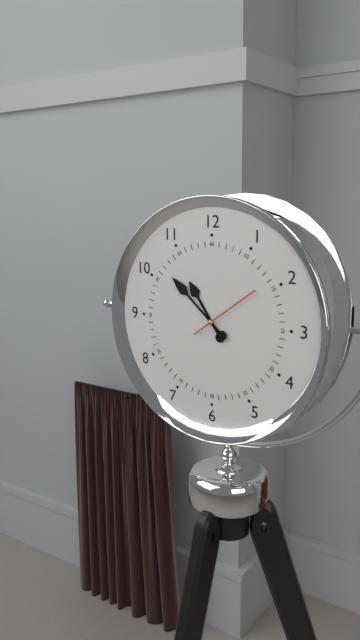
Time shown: {"hour": 10, "minute": 52, "second": 9}
